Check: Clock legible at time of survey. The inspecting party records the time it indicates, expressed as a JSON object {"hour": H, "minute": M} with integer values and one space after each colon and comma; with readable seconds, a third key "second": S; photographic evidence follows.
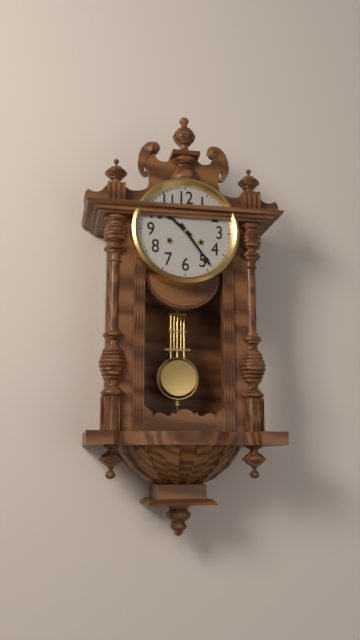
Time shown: {"hour": 10, "minute": 24}
